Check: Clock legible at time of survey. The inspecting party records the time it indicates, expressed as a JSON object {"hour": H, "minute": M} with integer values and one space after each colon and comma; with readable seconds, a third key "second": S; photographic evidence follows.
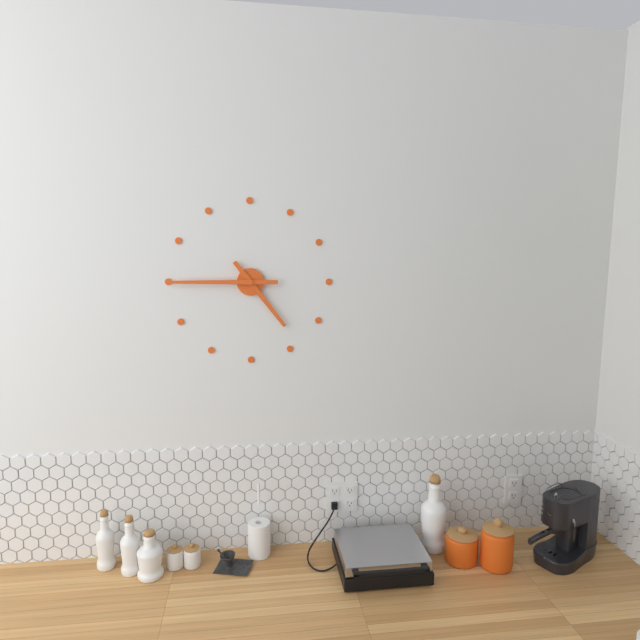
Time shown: {"hour": 4, "minute": 45}
